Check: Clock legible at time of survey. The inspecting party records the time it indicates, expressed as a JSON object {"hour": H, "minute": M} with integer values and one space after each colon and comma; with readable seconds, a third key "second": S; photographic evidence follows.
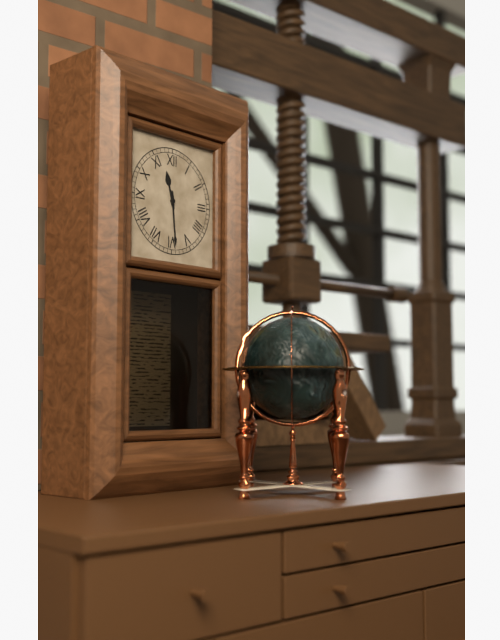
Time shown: {"hour": 11, "minute": 29}
